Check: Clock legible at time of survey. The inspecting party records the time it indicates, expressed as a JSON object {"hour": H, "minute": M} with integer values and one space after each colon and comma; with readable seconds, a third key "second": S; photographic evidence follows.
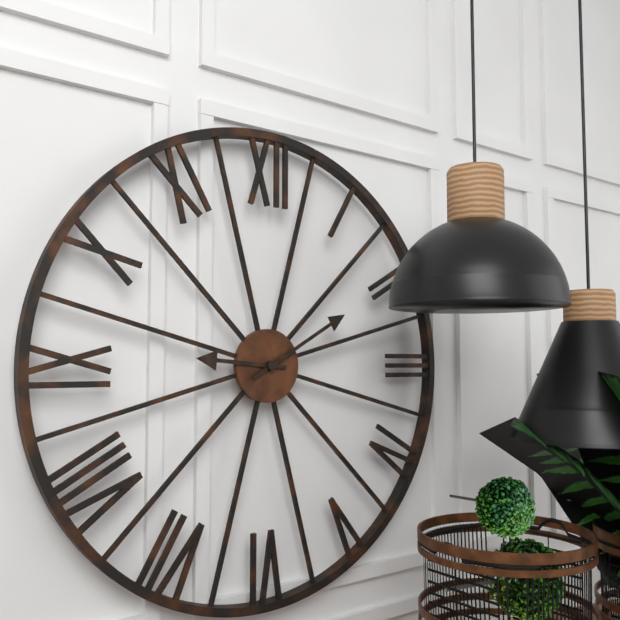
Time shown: {"hour": 9, "minute": 10}
